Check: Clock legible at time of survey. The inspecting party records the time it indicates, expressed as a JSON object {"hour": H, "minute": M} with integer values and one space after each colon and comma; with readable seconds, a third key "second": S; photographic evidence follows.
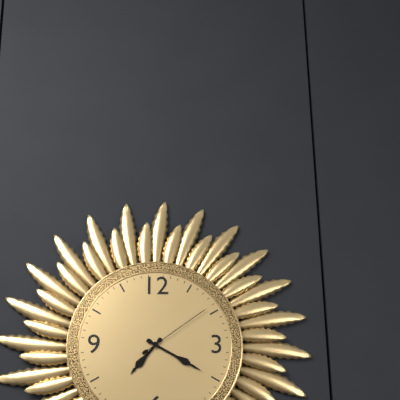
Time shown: {"hour": 7, "minute": 20, "second": 9}
